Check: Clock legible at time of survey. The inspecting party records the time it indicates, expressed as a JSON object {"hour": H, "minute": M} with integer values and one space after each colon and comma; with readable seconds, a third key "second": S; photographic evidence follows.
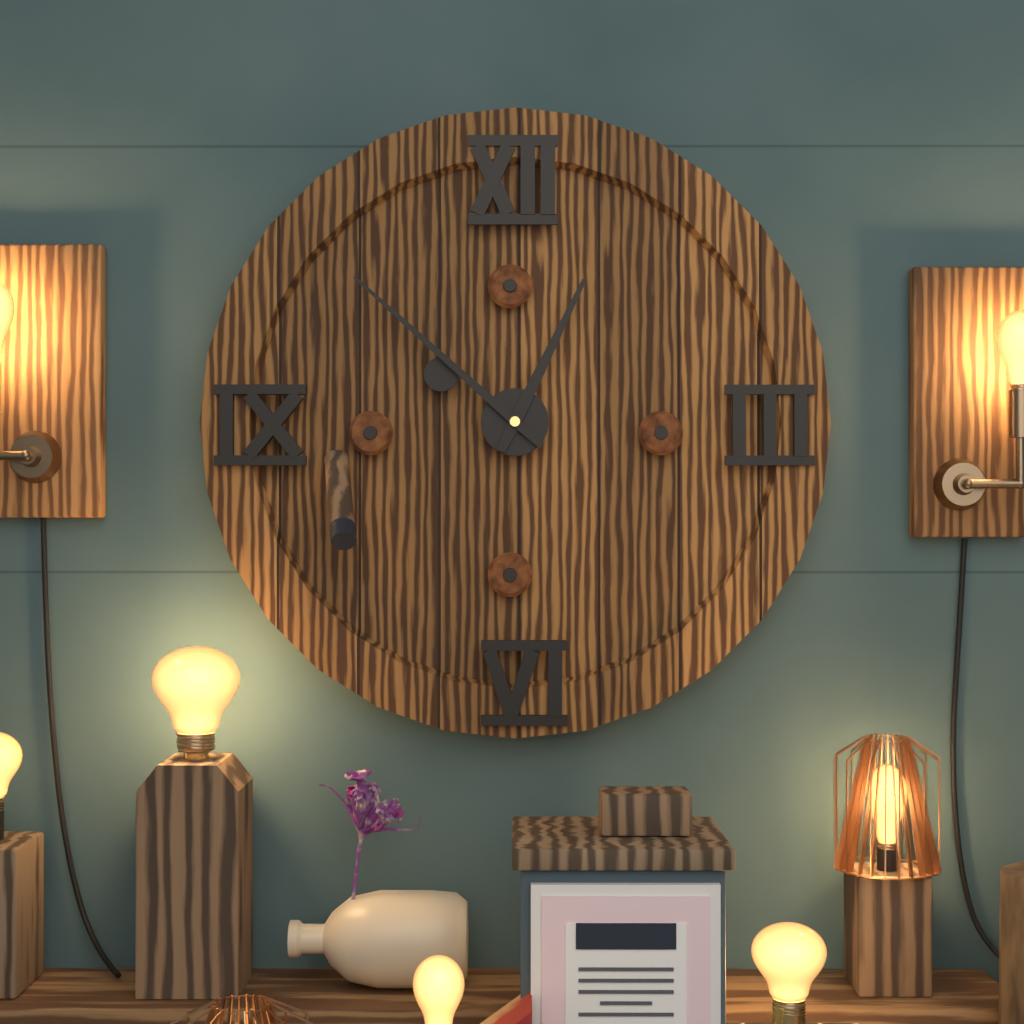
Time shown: {"hour": 12, "minute": 52}
